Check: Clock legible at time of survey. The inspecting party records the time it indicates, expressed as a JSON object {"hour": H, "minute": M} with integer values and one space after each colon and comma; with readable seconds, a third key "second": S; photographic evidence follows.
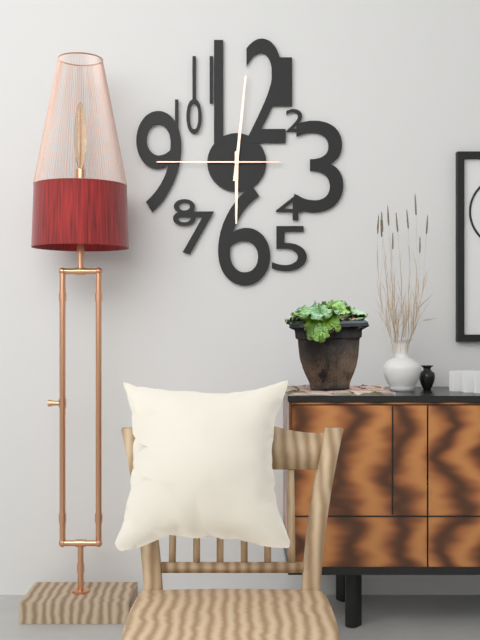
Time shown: {"hour": 6, "minute": 1, "second": 45}
